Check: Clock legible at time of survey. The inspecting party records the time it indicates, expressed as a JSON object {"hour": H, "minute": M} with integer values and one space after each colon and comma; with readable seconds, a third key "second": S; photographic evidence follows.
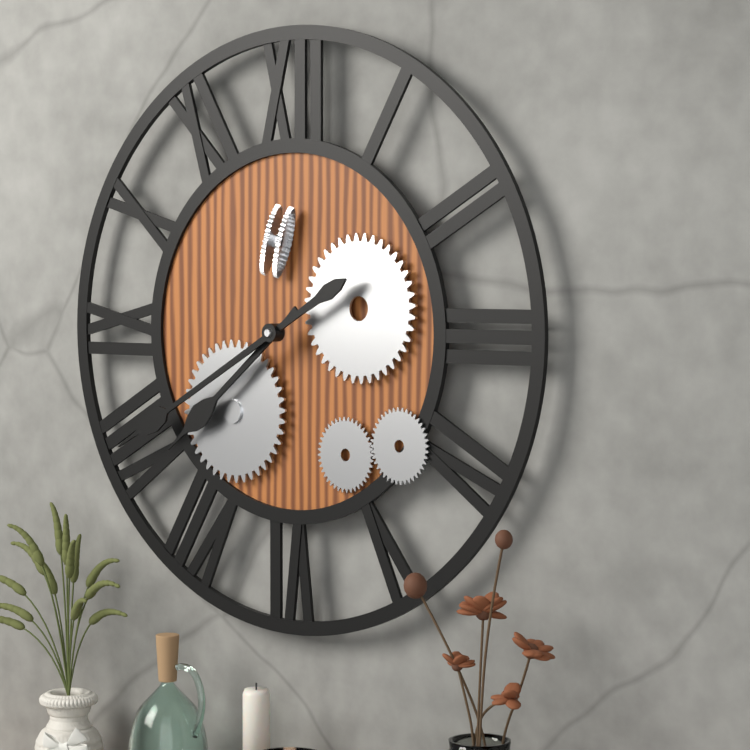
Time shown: {"hour": 7, "minute": 40}
